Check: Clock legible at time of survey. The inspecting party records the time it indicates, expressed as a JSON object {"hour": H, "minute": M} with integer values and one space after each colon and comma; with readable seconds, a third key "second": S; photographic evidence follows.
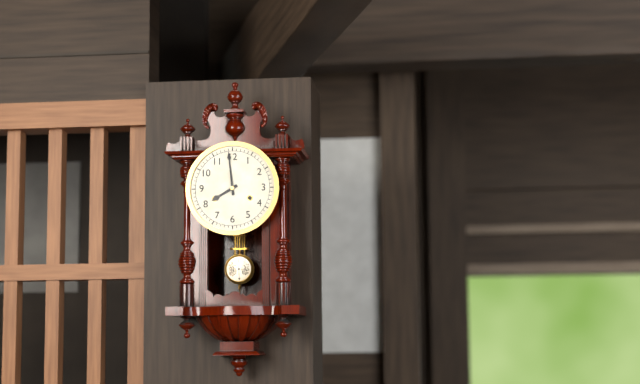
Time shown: {"hour": 7, "minute": 59}
